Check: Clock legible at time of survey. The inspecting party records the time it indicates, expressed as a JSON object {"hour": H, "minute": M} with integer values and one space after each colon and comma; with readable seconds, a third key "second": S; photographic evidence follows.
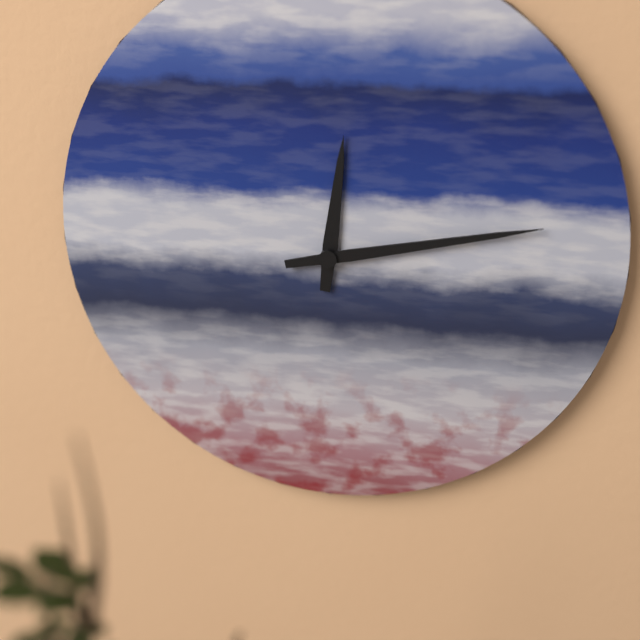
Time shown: {"hour": 12, "minute": 13}
